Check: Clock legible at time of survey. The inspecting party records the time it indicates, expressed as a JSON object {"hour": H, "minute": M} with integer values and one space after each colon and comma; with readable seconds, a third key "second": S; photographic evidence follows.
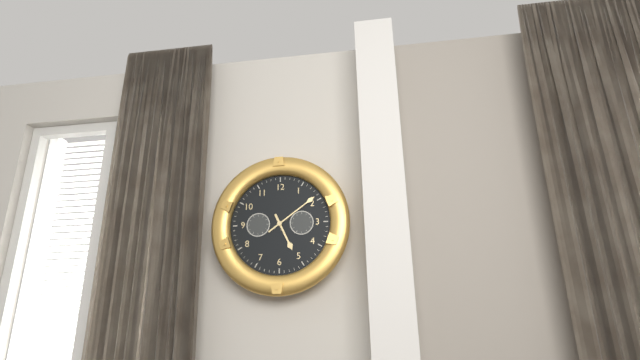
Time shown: {"hour": 5, "minute": 9}
